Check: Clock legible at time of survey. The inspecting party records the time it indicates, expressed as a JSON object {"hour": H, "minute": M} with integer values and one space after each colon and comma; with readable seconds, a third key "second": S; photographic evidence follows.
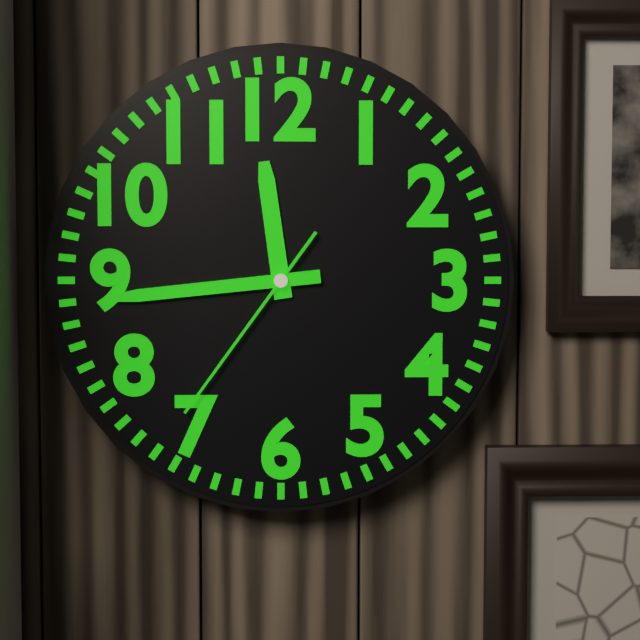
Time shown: {"hour": 11, "minute": 44, "second": 36}
